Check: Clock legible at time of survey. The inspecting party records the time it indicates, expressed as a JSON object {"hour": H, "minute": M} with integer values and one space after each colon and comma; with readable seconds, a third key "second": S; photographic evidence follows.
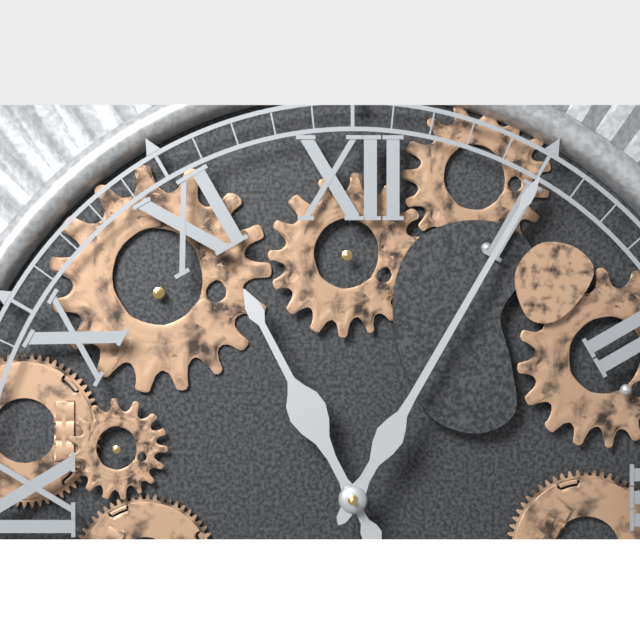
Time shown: {"hour": 11, "minute": 5}
